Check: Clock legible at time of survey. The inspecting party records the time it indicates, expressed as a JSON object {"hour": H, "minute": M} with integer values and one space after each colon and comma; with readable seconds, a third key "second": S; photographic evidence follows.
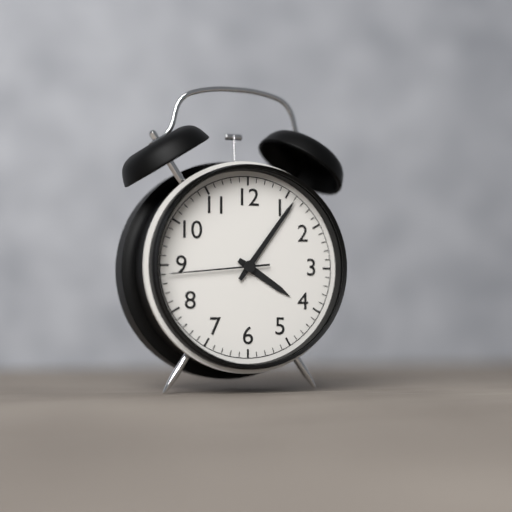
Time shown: {"hour": 4, "minute": 6, "second": 44}
